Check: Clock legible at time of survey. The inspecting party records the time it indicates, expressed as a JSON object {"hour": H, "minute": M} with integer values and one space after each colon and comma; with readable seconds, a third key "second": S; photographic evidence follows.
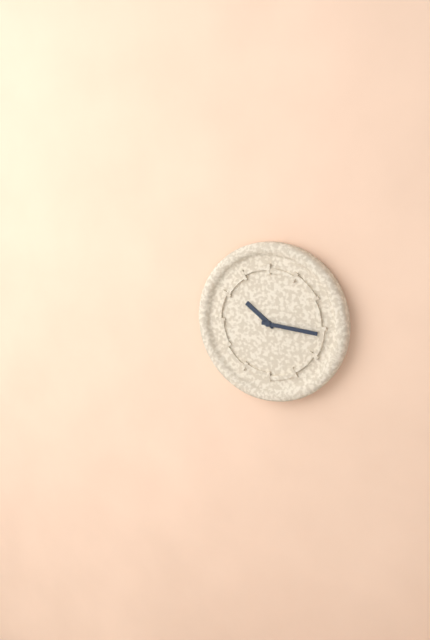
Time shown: {"hour": 10, "minute": 16}
